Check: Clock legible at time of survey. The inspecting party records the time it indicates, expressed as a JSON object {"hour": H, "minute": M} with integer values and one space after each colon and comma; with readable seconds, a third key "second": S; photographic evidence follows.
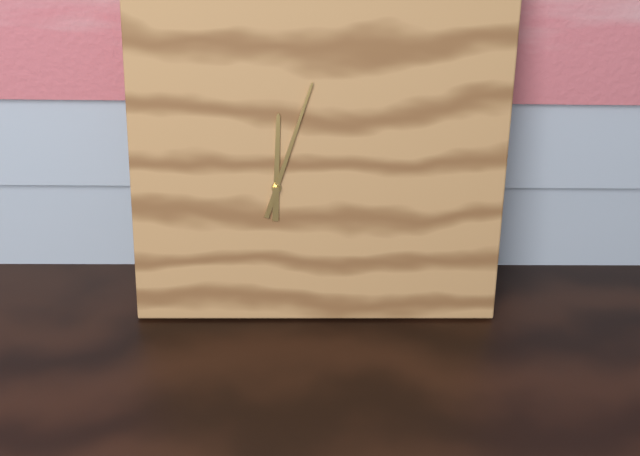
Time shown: {"hour": 12, "minute": 3}
